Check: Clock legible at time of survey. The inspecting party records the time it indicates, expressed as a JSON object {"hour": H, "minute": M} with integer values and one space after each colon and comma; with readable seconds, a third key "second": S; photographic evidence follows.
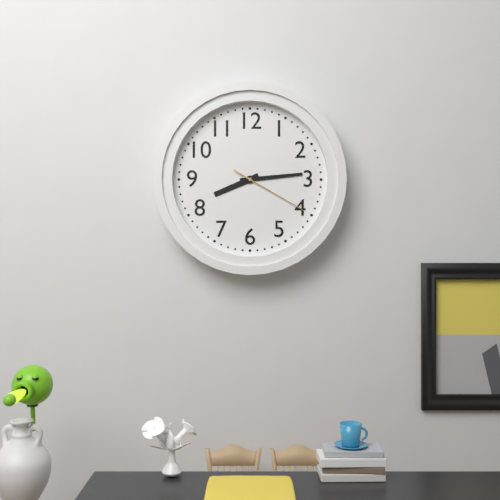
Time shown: {"hour": 8, "minute": 14, "second": 20}
